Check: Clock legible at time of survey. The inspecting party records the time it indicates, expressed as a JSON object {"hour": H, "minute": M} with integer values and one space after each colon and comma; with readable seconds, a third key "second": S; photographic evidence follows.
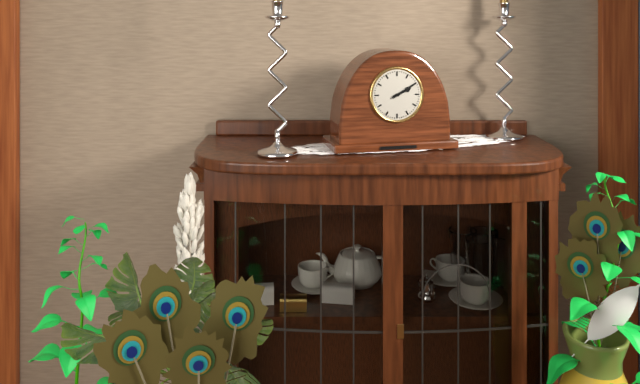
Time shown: {"hour": 2, "minute": 10}
